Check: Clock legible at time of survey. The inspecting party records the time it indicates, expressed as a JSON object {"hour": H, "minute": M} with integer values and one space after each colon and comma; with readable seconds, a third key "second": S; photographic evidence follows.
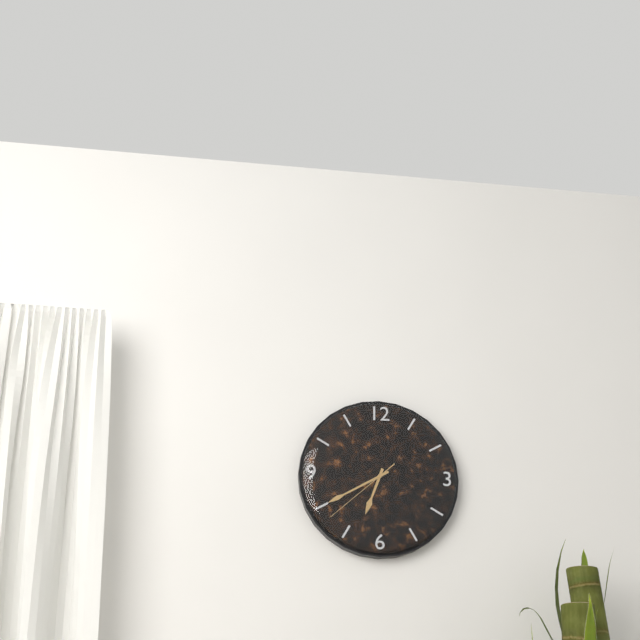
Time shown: {"hour": 6, "minute": 40, "second": 38}
